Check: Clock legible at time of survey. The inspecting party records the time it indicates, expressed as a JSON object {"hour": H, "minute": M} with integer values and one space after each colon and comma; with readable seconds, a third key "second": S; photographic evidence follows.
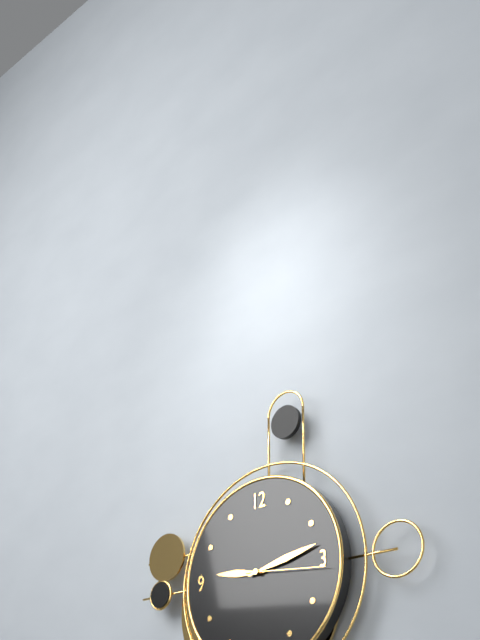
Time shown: {"hour": 9, "minute": 13, "second": 16}
